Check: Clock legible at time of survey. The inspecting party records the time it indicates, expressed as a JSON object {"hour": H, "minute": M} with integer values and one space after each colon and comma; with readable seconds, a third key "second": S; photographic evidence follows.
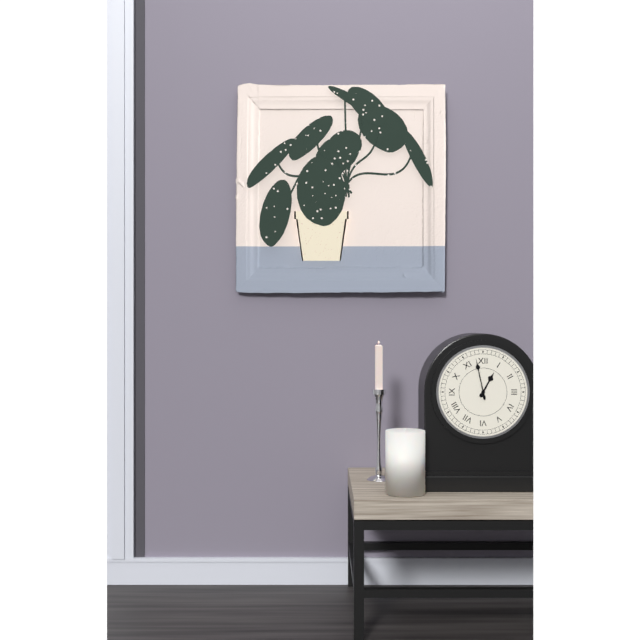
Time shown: {"hour": 12, "minute": 58}
